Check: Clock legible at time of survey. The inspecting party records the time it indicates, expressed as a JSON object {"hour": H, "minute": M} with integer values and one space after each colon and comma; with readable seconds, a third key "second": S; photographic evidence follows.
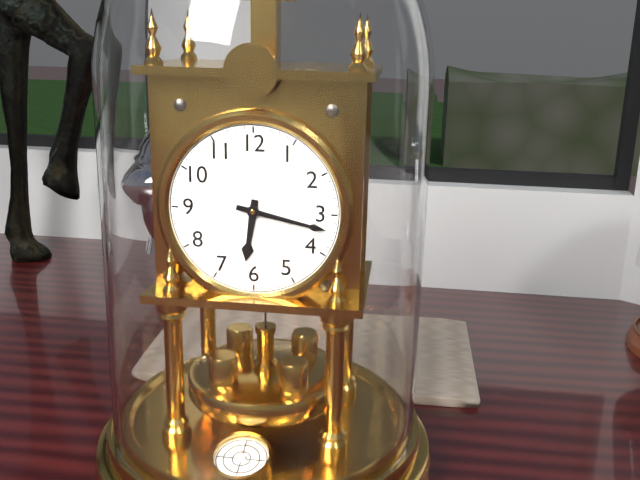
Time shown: {"hour": 6, "minute": 17}
